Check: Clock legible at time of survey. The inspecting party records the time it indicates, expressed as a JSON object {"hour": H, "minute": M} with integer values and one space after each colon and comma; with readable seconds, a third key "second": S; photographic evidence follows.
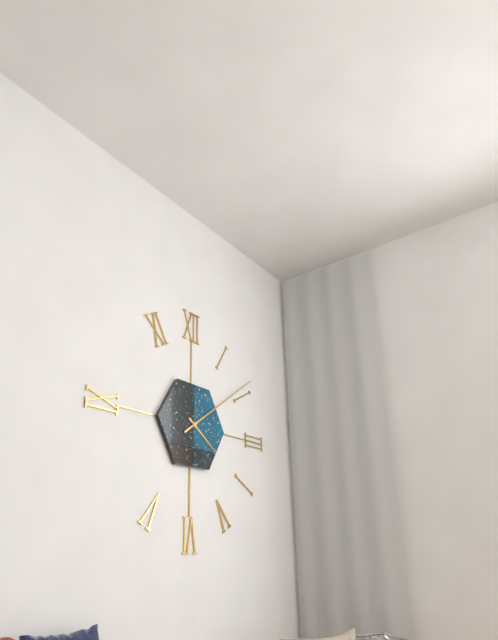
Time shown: {"hour": 4, "minute": 9}
